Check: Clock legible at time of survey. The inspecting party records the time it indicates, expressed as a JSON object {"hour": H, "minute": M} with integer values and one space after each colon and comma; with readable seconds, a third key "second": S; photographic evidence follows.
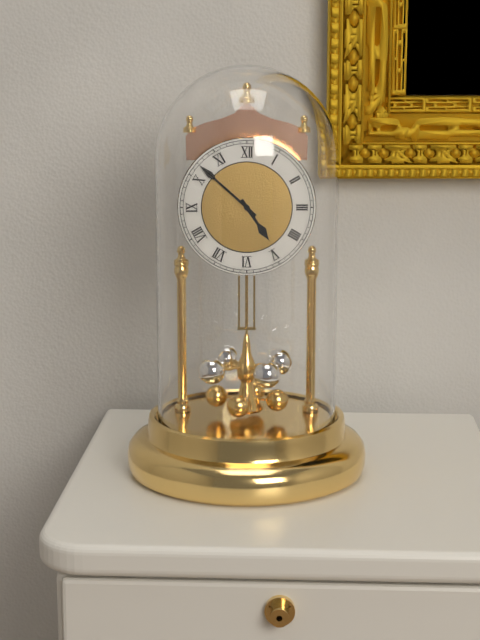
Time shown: {"hour": 4, "minute": 52}
